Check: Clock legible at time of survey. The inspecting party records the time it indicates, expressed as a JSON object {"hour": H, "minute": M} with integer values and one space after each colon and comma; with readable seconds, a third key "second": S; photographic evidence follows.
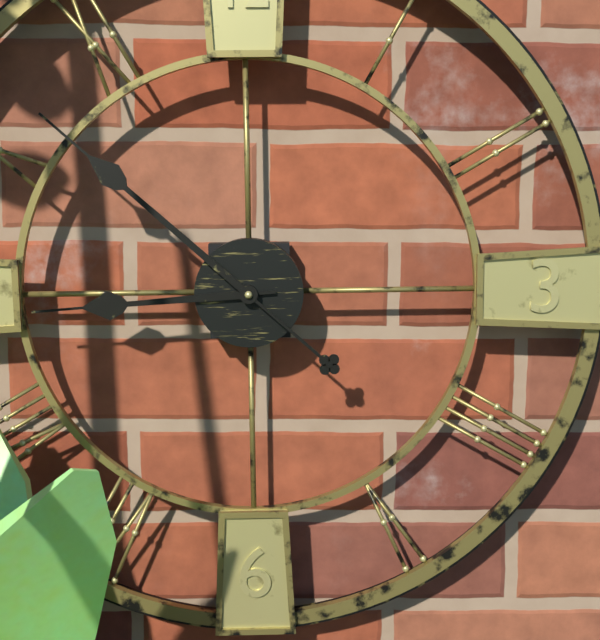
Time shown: {"hour": 8, "minute": 52}
